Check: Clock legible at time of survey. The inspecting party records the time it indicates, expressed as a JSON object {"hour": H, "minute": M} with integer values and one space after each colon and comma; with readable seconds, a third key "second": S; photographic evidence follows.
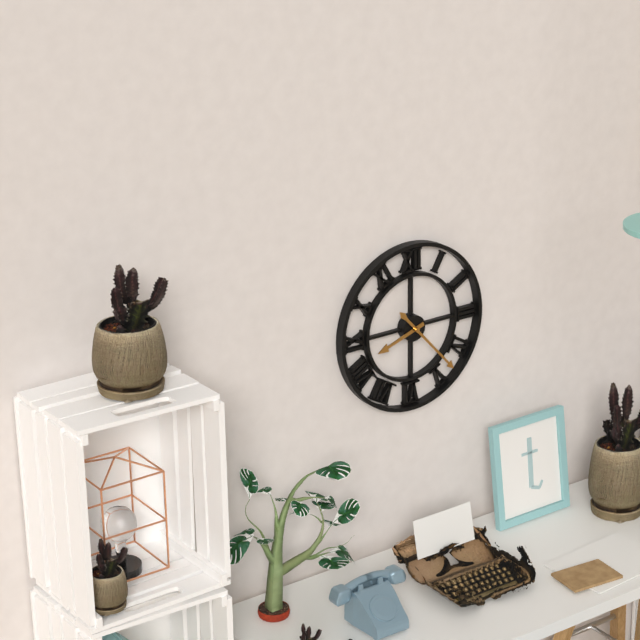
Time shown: {"hour": 8, "minute": 23}
